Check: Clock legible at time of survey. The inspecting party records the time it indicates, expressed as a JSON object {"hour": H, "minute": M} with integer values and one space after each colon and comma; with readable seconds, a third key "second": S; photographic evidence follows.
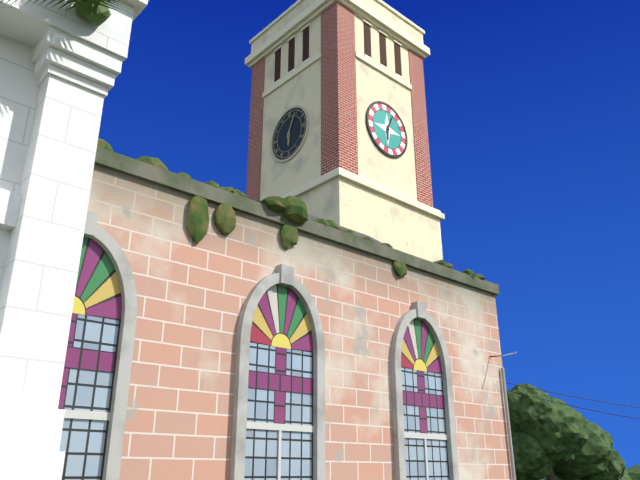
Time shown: {"hour": 6, "minute": 4}
